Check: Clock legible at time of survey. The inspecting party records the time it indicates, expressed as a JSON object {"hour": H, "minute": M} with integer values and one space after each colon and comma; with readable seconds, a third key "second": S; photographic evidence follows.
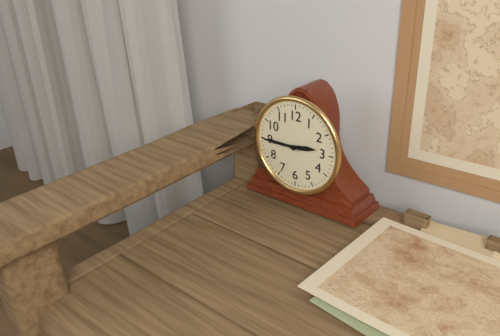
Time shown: {"hour": 2, "minute": 45}
